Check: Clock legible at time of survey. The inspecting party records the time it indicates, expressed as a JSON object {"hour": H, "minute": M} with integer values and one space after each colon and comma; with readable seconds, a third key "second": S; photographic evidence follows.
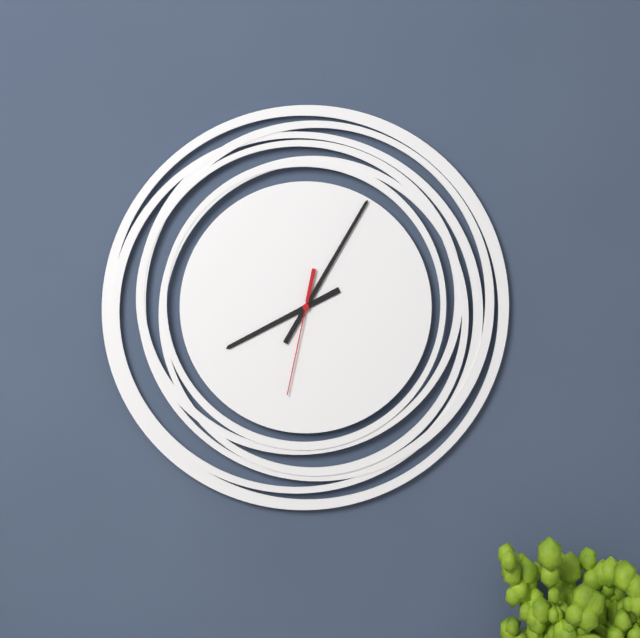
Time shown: {"hour": 8, "minute": 5, "second": 32}
